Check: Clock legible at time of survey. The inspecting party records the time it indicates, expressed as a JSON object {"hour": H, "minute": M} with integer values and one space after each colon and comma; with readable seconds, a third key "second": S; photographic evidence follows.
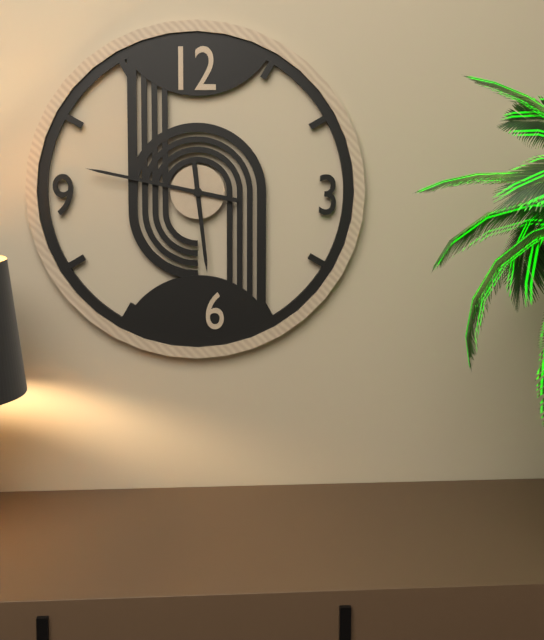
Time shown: {"hour": 5, "minute": 47}
